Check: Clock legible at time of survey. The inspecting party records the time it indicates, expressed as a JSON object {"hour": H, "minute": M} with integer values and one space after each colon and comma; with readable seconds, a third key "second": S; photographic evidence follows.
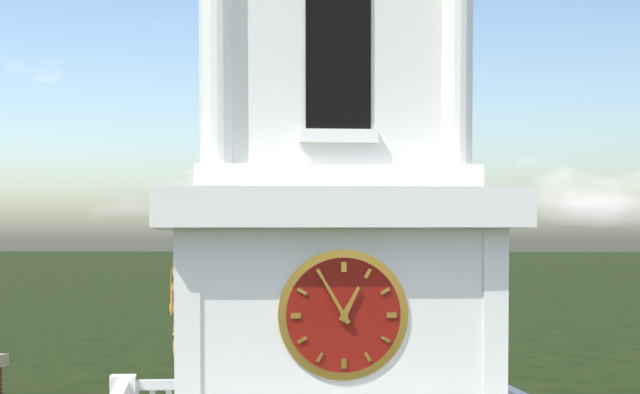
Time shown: {"hour": 12, "minute": 55}
